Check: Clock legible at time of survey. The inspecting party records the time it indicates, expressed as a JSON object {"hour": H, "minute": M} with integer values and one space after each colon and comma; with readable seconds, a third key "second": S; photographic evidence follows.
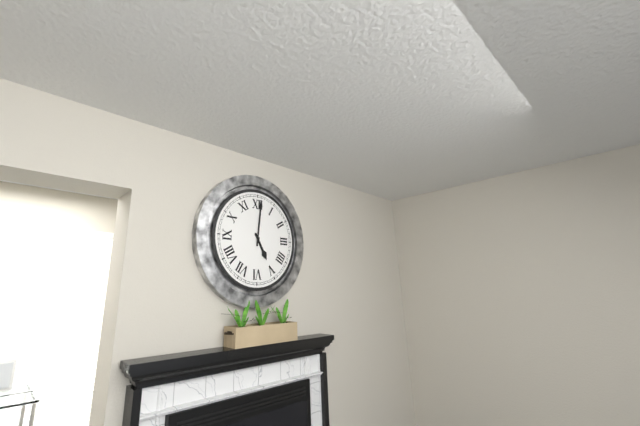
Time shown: {"hour": 5, "minute": 1}
